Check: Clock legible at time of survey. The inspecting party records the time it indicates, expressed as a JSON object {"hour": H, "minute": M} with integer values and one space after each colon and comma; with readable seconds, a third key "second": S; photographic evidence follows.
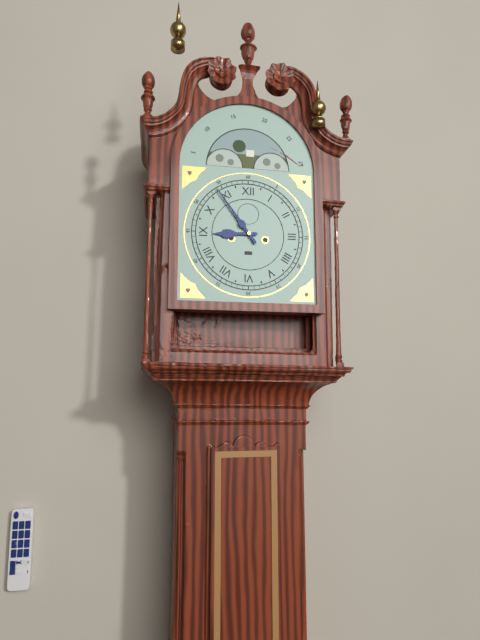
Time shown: {"hour": 8, "minute": 54}
